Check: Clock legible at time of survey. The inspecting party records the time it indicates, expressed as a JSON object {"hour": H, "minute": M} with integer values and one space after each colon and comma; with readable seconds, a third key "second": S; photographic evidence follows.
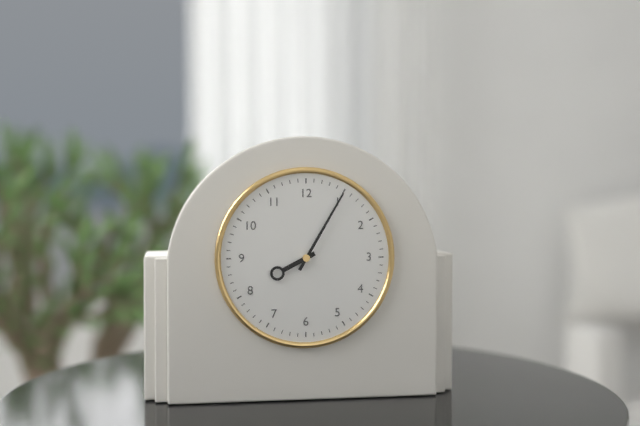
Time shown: {"hour": 8, "minute": 5}
